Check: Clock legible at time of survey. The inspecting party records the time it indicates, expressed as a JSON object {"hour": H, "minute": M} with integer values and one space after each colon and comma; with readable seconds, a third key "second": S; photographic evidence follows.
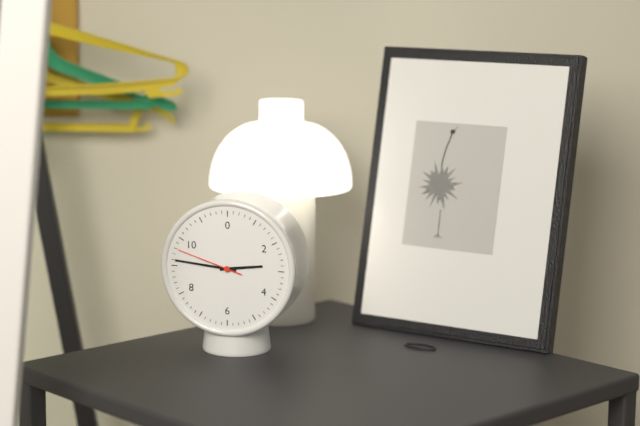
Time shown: {"hour": 2, "minute": 46, "second": 48}
